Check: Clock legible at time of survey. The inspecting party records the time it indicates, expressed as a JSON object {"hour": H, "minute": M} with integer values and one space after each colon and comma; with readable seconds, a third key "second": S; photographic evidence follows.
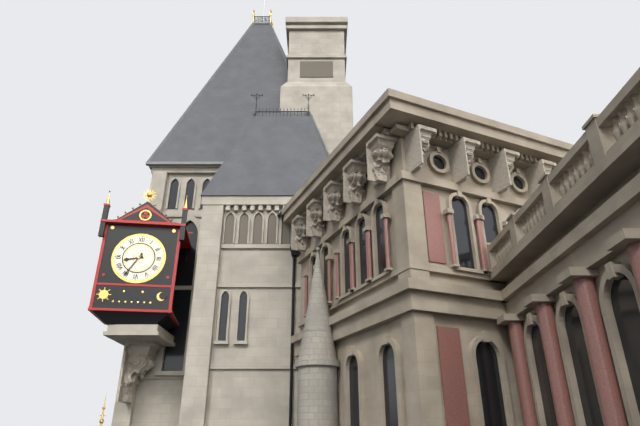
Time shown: {"hour": 8, "minute": 35}
